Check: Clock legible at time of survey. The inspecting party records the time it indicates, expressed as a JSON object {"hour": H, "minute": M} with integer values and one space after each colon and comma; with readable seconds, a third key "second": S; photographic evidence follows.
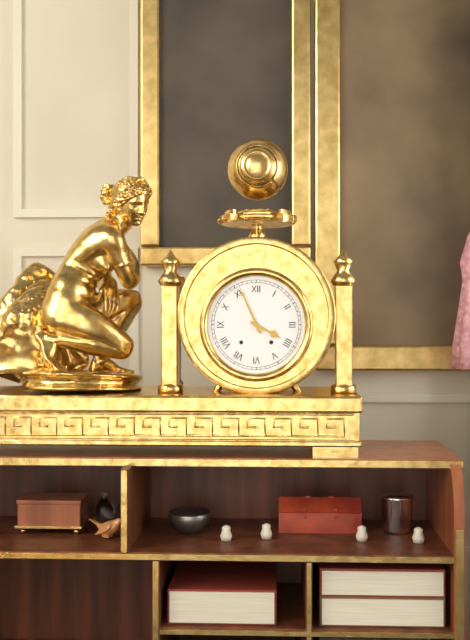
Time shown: {"hour": 3, "minute": 56}
